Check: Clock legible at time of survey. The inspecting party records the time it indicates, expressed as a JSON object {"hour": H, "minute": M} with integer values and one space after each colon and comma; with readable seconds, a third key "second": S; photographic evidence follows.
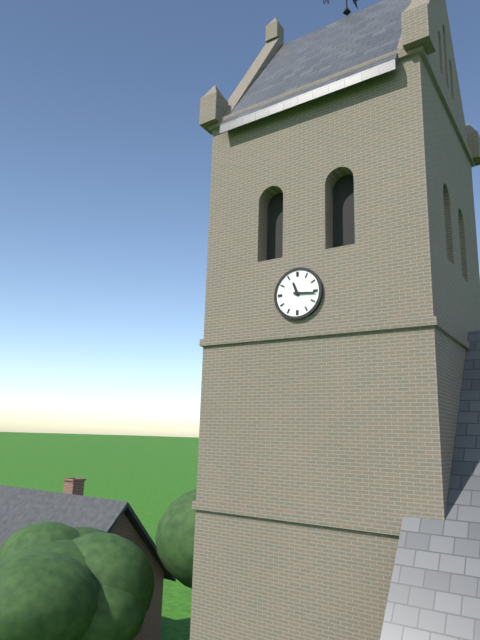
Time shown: {"hour": 11, "minute": 16}
